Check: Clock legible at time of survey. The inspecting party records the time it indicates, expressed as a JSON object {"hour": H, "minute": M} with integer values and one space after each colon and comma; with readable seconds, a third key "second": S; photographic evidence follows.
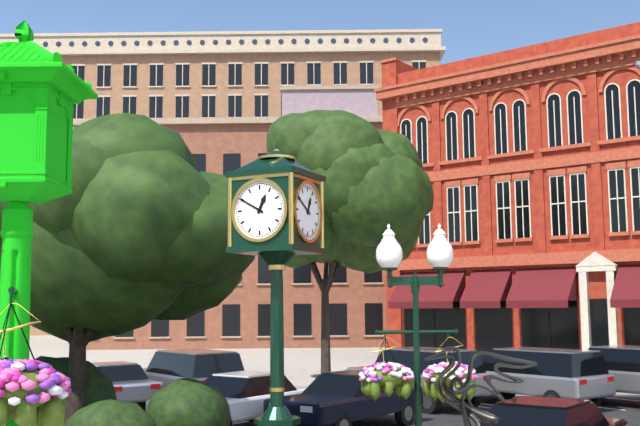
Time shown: {"hour": 12, "minute": 50}
